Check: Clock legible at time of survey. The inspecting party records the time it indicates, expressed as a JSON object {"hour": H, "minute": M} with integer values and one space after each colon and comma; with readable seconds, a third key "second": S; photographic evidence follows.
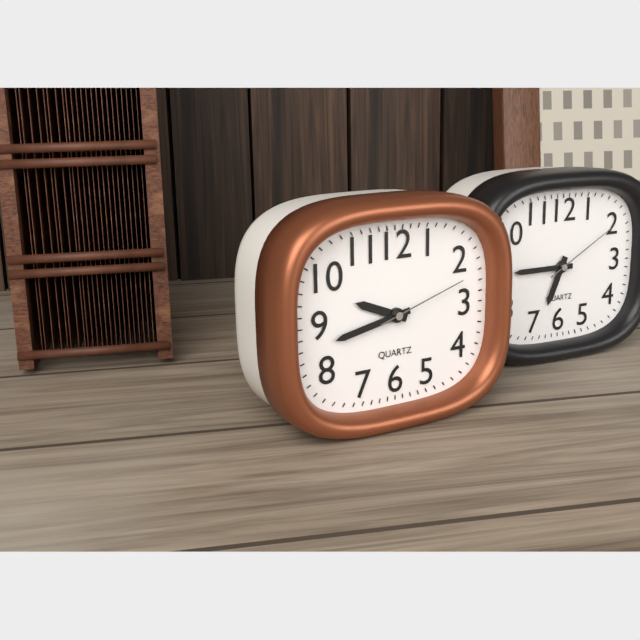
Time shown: {"hour": 9, "minute": 43, "second": 12}
